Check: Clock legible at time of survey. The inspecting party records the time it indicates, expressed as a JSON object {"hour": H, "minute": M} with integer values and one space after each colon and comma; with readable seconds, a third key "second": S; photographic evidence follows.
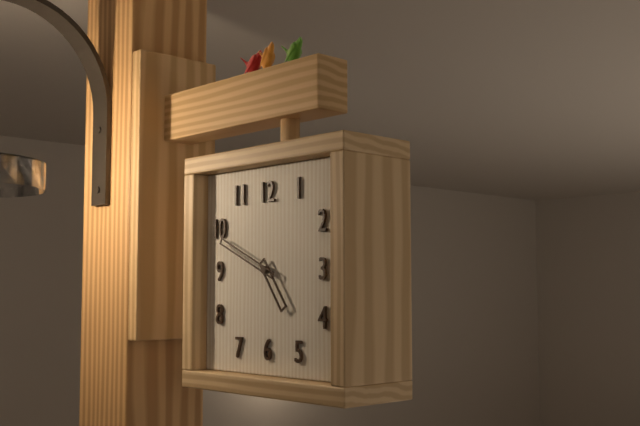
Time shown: {"hour": 4, "minute": 49}
